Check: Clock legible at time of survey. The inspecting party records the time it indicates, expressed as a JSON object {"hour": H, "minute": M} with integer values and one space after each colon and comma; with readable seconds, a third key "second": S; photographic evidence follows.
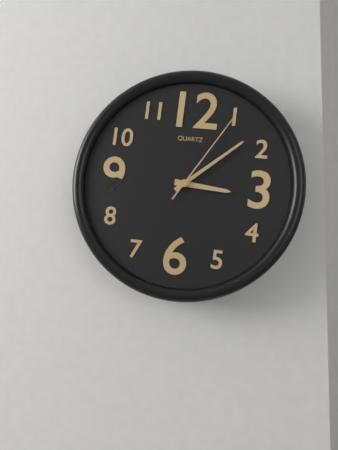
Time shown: {"hour": 3, "minute": 8, "second": 5}
